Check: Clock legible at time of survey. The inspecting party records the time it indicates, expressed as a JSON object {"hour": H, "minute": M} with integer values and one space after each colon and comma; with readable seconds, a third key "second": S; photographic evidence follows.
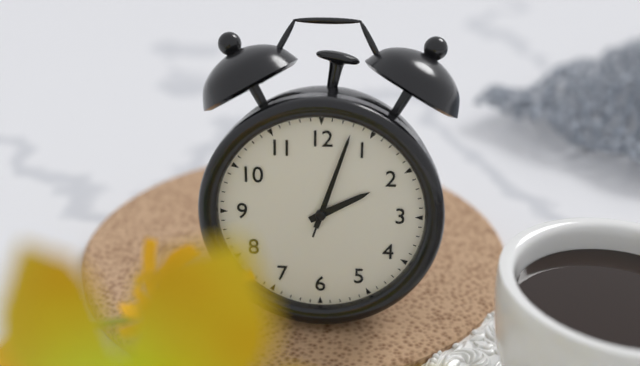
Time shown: {"hour": 2, "minute": 3, "second": 3}
